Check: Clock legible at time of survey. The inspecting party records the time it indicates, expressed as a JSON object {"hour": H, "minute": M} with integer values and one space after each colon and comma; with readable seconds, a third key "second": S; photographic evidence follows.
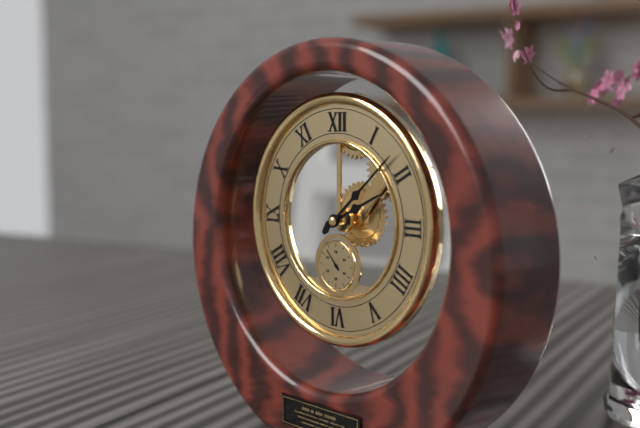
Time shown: {"hour": 2, "minute": 8}
